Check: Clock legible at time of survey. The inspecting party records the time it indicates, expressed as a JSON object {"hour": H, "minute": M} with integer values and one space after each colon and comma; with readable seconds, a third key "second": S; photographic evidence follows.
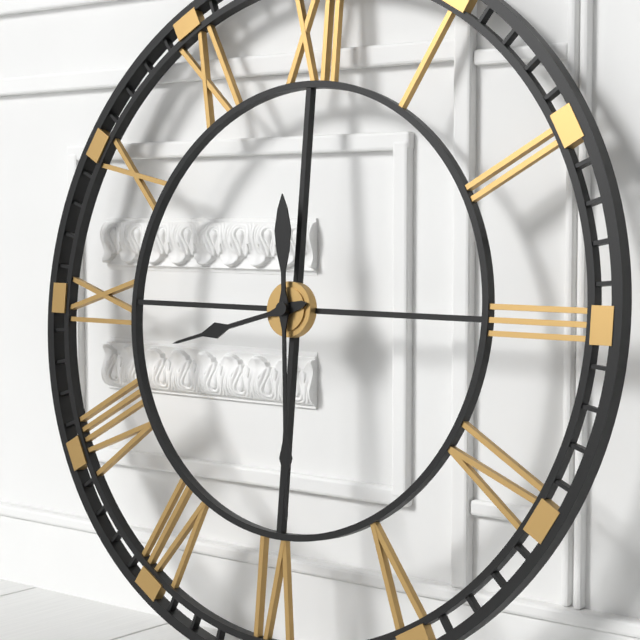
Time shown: {"hour": 8, "minute": 29}
